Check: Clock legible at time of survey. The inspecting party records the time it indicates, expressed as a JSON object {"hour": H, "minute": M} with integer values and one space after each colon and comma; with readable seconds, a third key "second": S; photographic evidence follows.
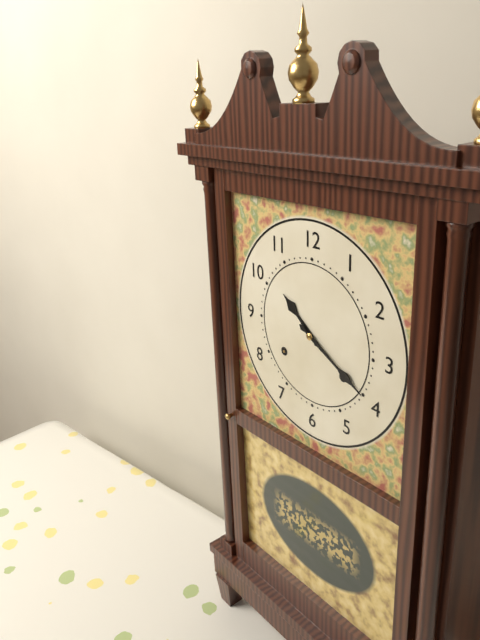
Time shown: {"hour": 10, "minute": 20}
